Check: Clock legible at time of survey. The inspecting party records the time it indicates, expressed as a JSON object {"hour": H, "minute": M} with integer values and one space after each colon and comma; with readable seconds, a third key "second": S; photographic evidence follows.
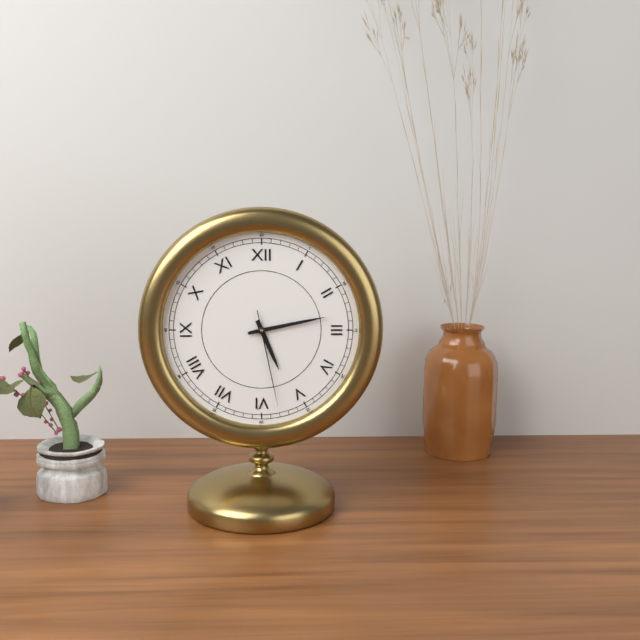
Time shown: {"hour": 5, "minute": 13, "second": 28}
